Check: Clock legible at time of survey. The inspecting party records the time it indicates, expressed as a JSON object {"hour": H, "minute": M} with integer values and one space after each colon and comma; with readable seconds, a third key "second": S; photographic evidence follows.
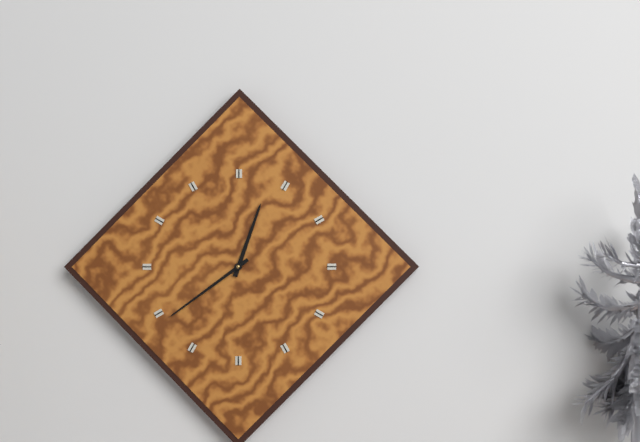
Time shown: {"hour": 12, "minute": 39}
